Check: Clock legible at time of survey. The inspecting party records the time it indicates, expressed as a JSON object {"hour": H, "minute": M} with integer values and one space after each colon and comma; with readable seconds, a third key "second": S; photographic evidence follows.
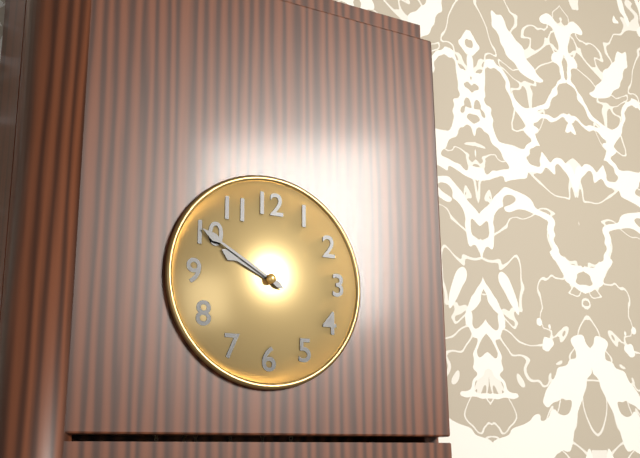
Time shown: {"hour": 9, "minute": 50}
